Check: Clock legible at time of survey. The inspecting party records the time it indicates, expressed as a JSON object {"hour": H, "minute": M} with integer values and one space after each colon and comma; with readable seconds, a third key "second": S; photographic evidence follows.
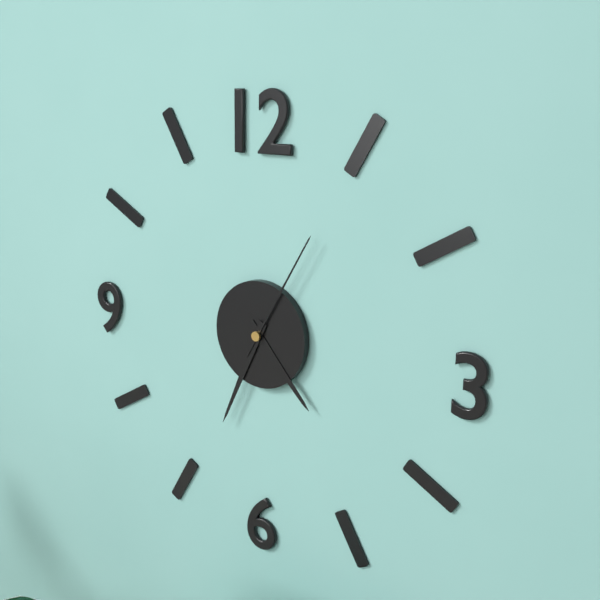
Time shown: {"hour": 4, "minute": 34, "second": 5}
